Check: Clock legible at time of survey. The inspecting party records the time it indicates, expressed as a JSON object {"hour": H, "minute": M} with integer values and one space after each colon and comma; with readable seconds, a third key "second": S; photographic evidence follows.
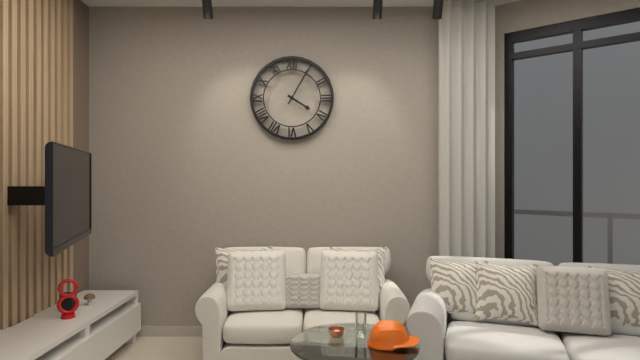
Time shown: {"hour": 4, "minute": 5}
